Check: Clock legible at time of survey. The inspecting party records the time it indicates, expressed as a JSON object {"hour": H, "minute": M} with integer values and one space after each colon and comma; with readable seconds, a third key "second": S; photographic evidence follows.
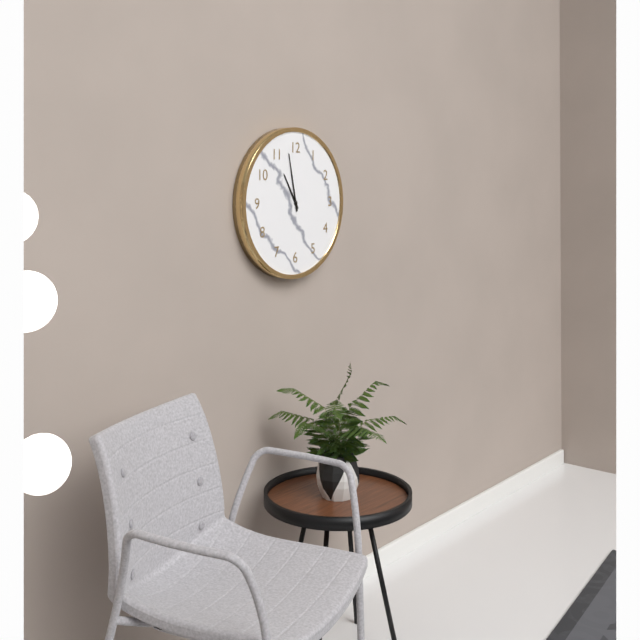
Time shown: {"hour": 10, "minute": 58}
